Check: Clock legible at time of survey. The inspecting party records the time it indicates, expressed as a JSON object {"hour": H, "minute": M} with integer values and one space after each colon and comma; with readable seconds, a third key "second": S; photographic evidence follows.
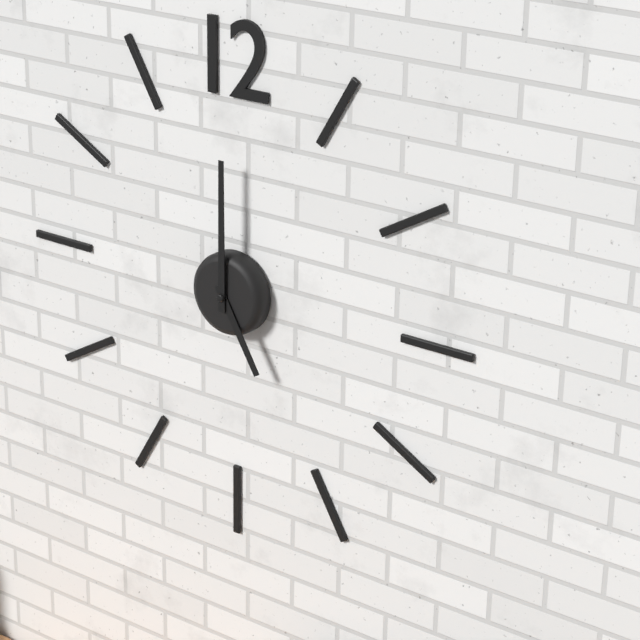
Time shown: {"hour": 5, "minute": 0}
